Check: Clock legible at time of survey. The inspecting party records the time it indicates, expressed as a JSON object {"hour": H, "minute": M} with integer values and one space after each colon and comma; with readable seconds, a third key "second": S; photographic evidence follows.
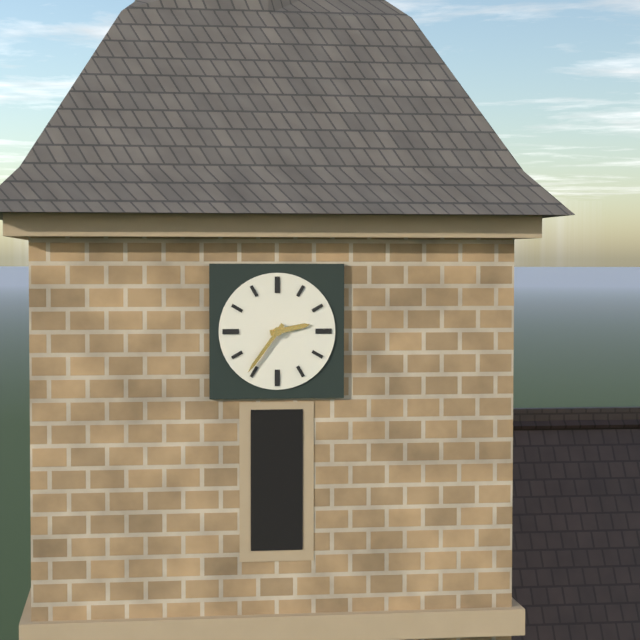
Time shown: {"hour": 2, "minute": 36}
